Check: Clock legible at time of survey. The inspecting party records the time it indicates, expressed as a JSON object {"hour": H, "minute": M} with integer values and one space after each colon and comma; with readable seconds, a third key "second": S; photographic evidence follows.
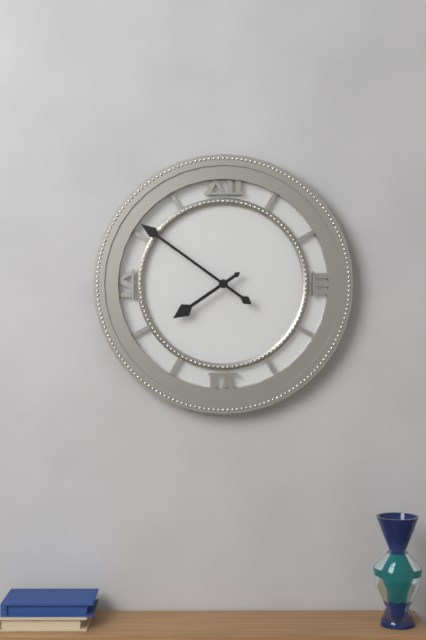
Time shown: {"hour": 7, "minute": 51}
